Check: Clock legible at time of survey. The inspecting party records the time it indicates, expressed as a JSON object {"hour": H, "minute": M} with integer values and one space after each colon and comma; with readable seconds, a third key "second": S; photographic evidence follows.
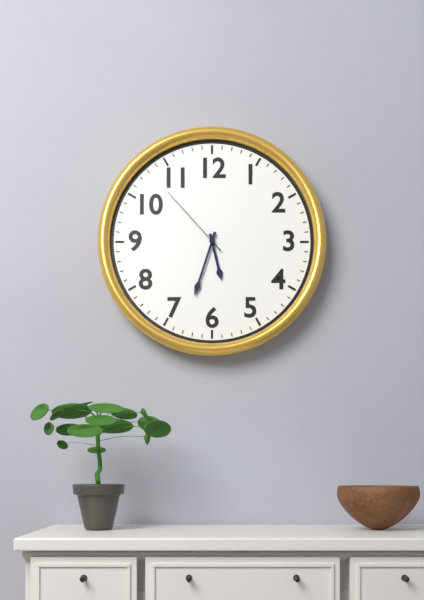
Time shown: {"hour": 5, "minute": 33, "second": 53}
